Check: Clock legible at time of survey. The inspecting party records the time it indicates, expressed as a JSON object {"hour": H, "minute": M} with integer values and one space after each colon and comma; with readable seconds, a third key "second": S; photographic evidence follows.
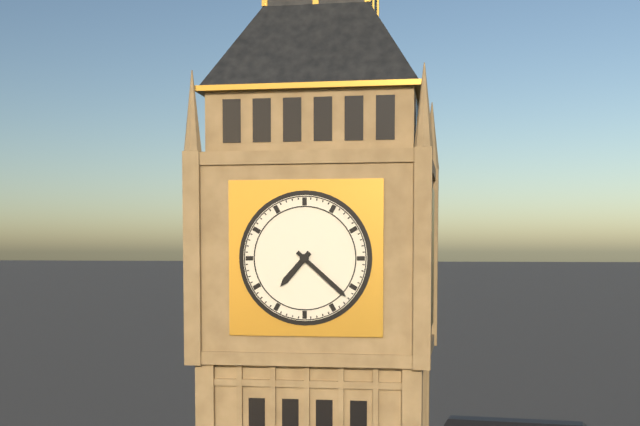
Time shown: {"hour": 7, "minute": 22}
